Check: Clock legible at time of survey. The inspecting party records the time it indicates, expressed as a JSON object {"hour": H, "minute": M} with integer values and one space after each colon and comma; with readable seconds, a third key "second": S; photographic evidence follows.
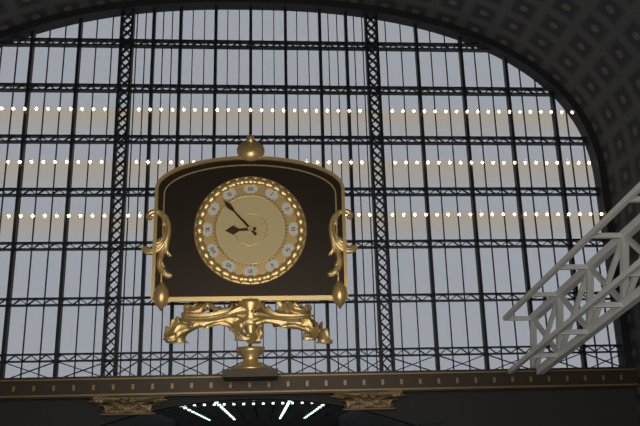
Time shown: {"hour": 8, "minute": 53}
